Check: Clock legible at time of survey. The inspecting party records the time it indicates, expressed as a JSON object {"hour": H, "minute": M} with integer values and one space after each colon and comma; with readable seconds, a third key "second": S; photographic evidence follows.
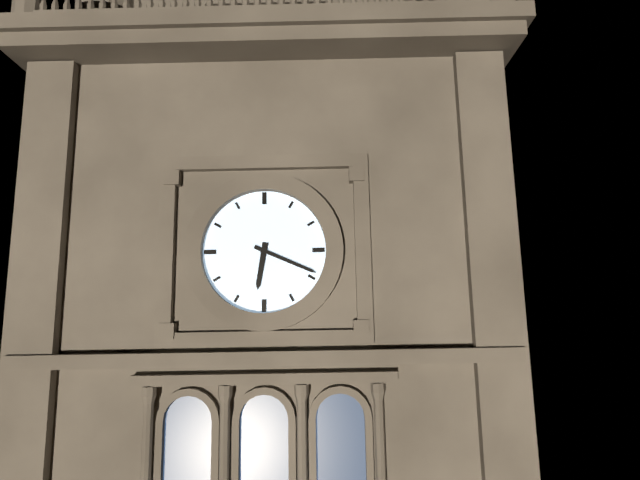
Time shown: {"hour": 6, "minute": 19}
